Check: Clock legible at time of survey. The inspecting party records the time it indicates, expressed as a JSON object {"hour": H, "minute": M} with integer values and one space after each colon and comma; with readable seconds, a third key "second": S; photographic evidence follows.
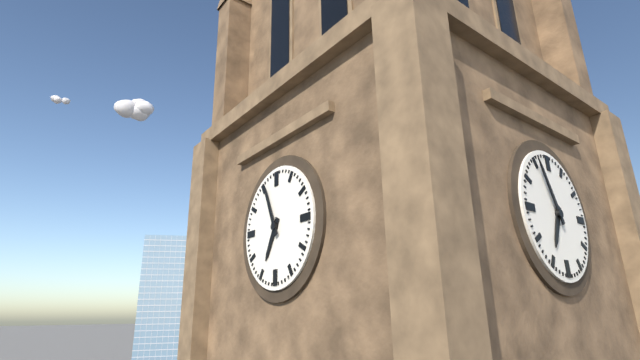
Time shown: {"hour": 6, "minute": 56}
